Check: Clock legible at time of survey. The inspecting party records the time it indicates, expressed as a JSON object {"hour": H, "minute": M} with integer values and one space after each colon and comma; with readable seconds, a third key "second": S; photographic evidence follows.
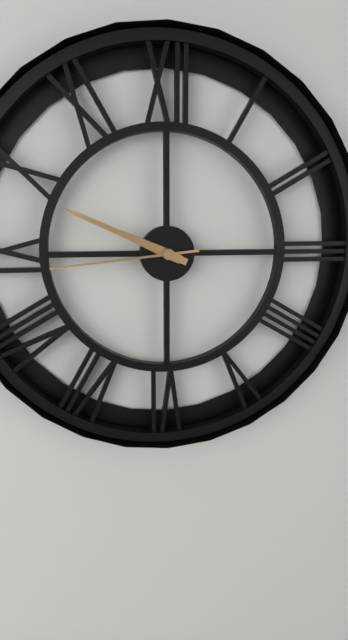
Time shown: {"hour": 9, "minute": 49, "second": 44}
